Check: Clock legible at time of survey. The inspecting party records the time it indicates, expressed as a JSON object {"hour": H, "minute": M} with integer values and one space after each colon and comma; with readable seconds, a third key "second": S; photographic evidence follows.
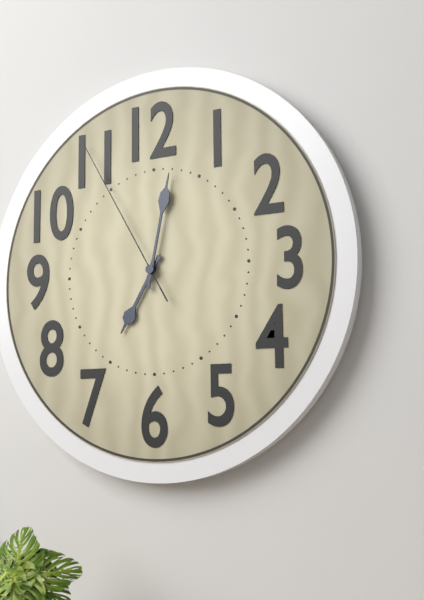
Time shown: {"hour": 7, "minute": 2, "second": 55}
